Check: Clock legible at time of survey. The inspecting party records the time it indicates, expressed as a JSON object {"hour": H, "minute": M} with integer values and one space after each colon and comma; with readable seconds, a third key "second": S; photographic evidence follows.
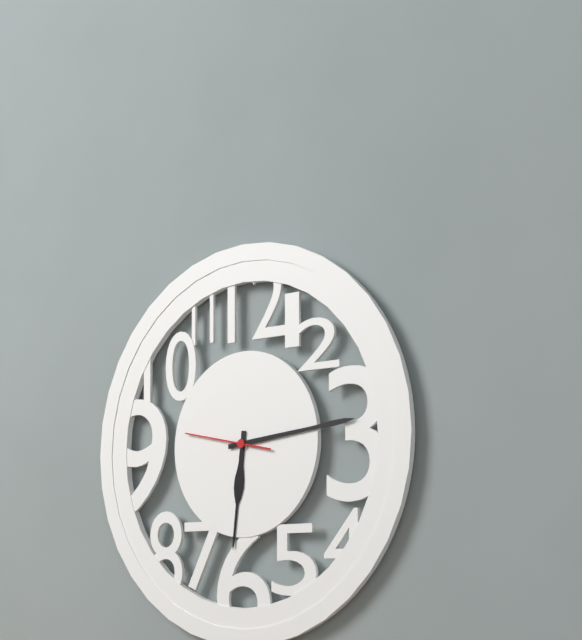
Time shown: {"hour": 6, "minute": 14, "second": 47}
